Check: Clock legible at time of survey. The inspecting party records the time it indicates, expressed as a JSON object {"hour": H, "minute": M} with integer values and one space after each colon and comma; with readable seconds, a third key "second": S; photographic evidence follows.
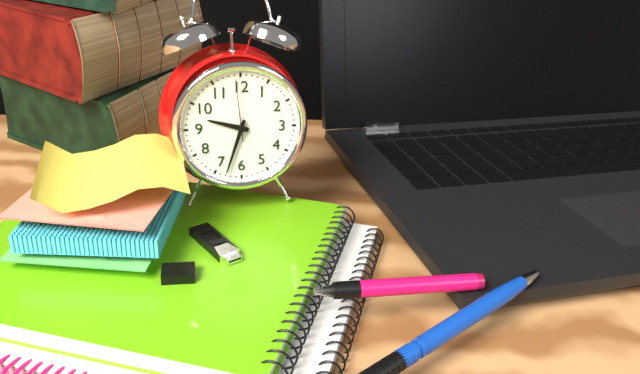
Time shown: {"hour": 9, "minute": 33, "second": 59}
